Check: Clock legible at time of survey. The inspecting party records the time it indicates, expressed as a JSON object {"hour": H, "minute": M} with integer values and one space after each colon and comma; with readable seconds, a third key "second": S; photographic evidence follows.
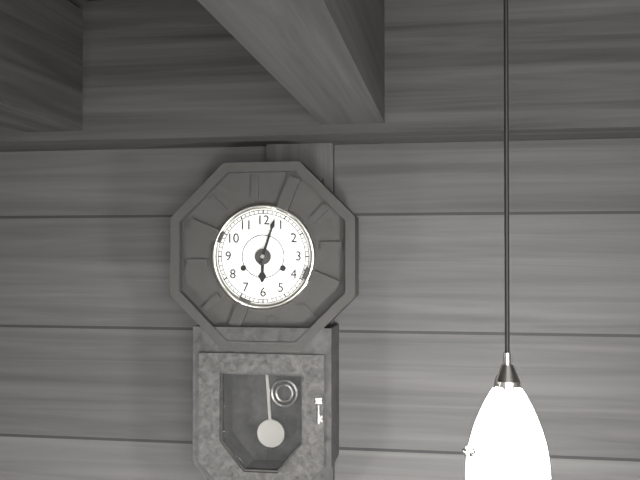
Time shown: {"hour": 6, "minute": 3}
